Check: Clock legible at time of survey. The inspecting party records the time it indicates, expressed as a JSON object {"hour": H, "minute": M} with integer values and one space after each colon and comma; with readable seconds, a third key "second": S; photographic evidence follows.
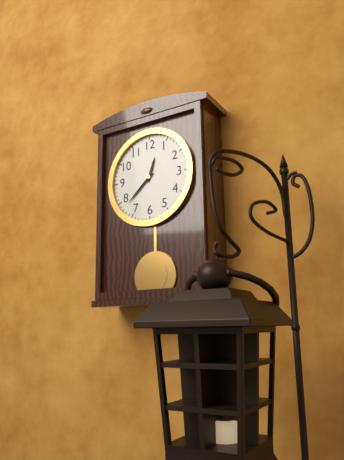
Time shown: {"hour": 12, "minute": 38}
